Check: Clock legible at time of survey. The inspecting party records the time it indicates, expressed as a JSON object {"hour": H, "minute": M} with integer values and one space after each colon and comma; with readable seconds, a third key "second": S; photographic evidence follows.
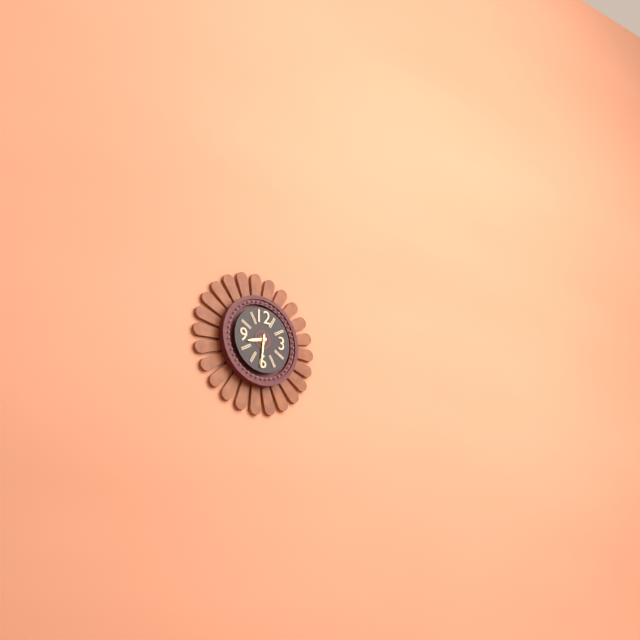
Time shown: {"hour": 8, "minute": 31}
